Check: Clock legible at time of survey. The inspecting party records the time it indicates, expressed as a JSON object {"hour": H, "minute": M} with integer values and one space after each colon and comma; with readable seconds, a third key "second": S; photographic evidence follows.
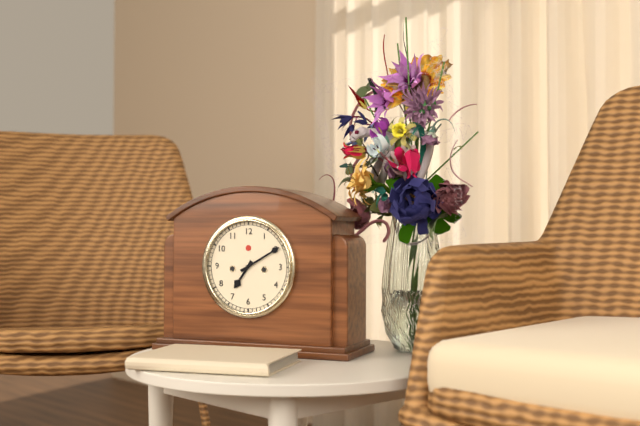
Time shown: {"hour": 7, "minute": 10}
